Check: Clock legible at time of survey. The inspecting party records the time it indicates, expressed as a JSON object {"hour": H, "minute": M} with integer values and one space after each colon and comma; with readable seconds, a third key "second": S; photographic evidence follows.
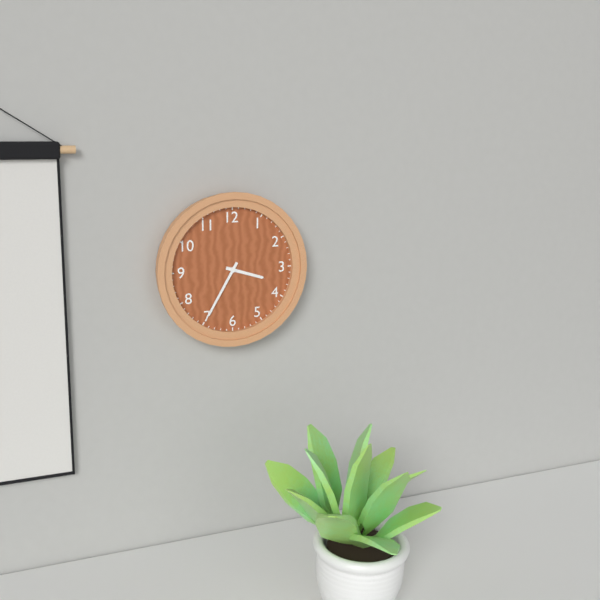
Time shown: {"hour": 3, "minute": 35}
